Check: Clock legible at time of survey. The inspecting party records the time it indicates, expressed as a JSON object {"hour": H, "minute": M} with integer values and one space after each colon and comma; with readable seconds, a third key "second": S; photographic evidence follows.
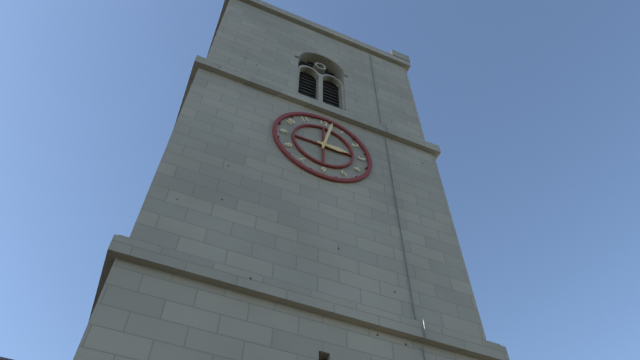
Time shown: {"hour": 3, "minute": 2}
